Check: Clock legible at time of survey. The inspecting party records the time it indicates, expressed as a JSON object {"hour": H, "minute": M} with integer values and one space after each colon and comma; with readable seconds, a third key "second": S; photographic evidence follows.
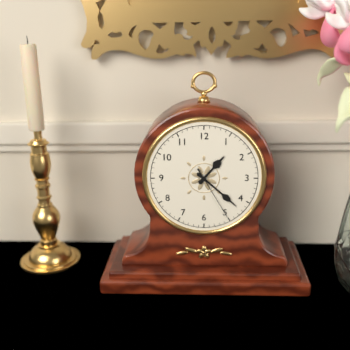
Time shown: {"hour": 1, "minute": 22, "second": 25}
